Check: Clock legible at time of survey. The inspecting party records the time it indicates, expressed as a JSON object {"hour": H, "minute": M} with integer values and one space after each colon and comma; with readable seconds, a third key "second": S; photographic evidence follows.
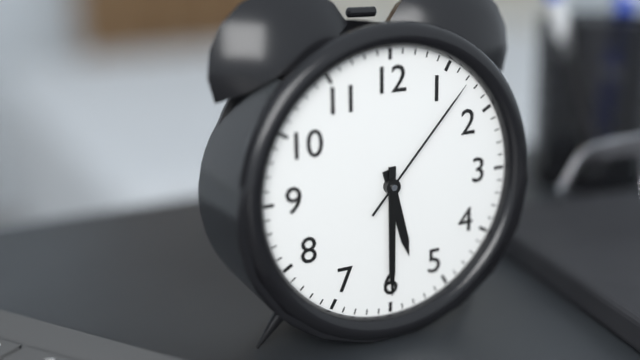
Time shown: {"hour": 5, "minute": 30, "second": 7}
